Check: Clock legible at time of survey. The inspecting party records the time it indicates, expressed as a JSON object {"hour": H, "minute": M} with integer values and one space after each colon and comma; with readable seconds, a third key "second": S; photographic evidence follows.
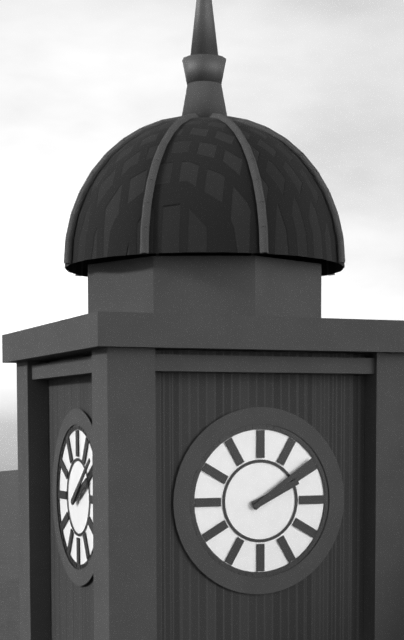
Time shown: {"hour": 2, "minute": 9}
